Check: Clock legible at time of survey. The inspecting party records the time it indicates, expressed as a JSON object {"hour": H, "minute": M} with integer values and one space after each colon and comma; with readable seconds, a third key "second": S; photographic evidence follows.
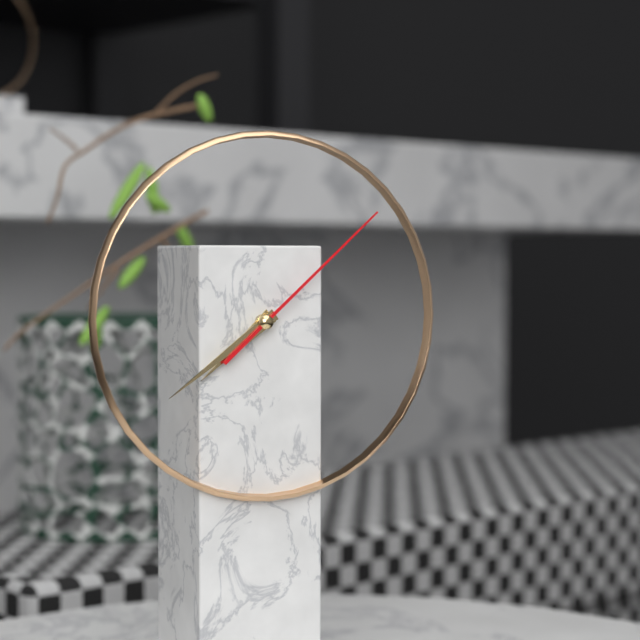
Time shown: {"hour": 7, "minute": 39, "second": 8}
